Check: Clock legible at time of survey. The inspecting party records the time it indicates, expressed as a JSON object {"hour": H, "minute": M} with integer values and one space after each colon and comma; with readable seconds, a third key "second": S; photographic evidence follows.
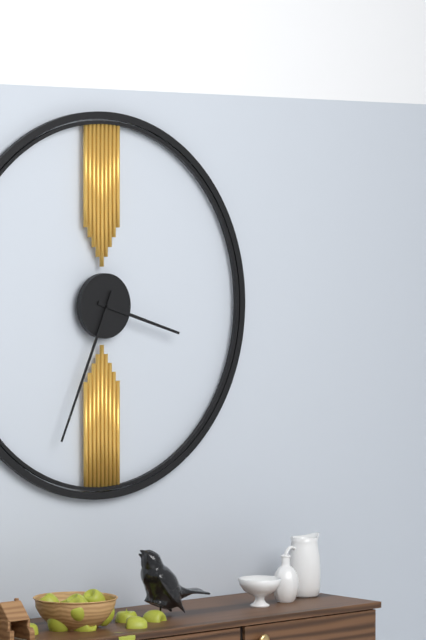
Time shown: {"hour": 3, "minute": 34}
